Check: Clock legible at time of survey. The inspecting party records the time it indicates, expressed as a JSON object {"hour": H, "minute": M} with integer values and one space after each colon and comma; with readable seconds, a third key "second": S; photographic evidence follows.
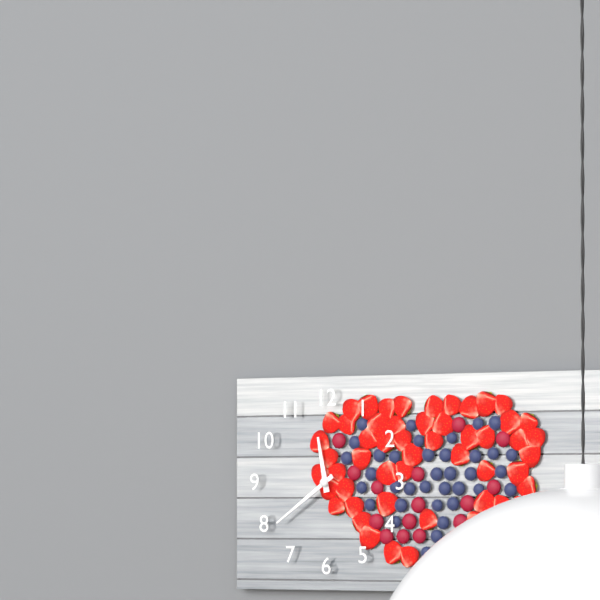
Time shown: {"hour": 11, "minute": 39}
